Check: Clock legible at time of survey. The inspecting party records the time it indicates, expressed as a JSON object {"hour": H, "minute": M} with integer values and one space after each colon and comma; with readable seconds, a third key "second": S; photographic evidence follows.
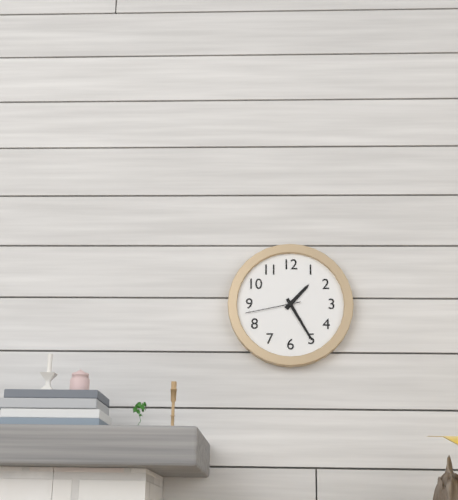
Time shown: {"hour": 1, "minute": 25, "second": 43}
